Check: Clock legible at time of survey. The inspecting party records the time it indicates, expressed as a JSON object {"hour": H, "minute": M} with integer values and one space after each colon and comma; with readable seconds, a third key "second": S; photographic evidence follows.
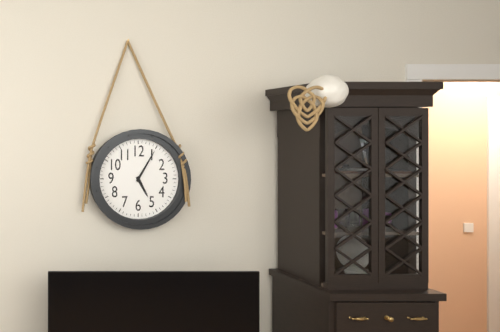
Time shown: {"hour": 5, "minute": 5}
